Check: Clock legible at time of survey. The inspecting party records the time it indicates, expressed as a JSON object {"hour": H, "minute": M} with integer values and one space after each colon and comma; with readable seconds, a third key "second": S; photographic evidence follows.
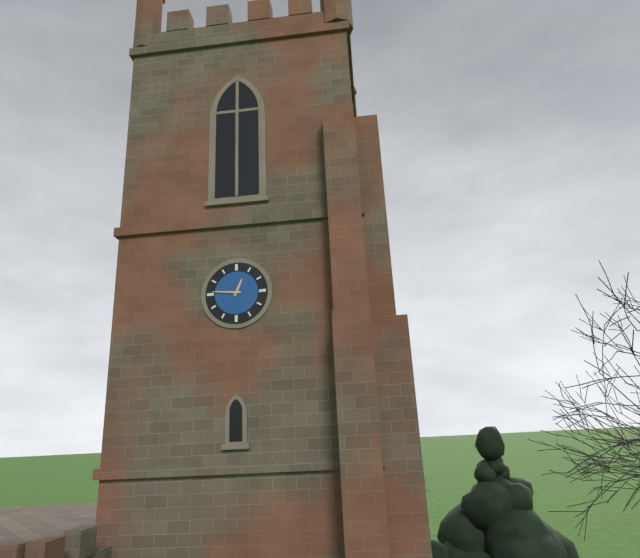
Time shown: {"hour": 12, "minute": 46}
